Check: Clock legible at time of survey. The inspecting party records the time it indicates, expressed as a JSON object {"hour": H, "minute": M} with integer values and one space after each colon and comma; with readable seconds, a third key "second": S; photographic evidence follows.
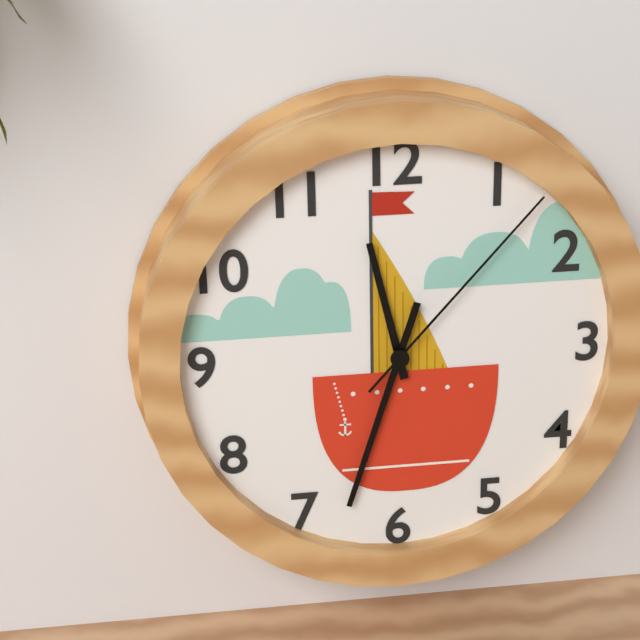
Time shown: {"hour": 11, "minute": 33, "second": 7}
